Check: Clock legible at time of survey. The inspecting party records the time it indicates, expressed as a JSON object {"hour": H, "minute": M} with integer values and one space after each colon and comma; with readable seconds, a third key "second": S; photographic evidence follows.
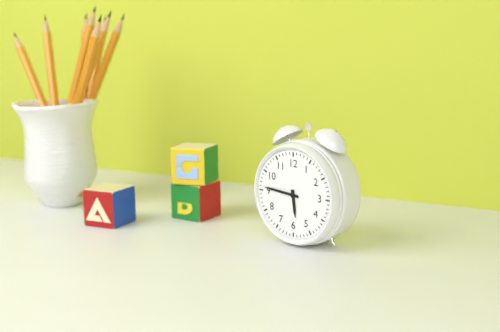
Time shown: {"hour": 5, "minute": 46}
